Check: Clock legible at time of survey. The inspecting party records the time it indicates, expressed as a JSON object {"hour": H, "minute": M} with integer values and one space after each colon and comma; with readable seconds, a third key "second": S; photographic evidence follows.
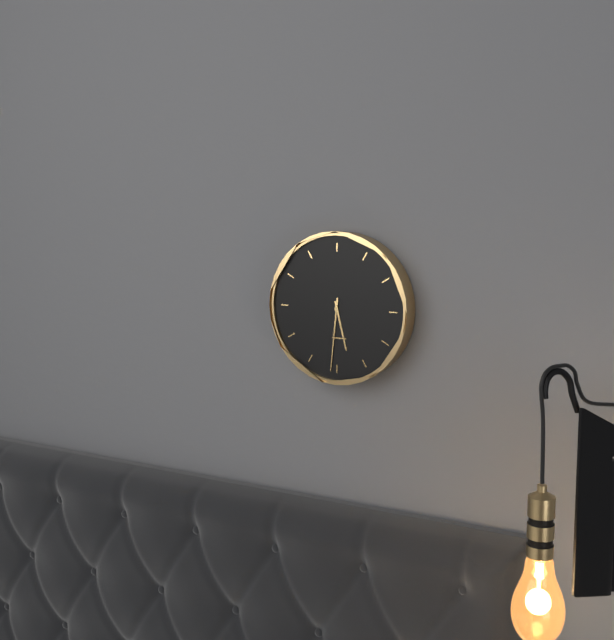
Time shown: {"hour": 5, "minute": 31}
